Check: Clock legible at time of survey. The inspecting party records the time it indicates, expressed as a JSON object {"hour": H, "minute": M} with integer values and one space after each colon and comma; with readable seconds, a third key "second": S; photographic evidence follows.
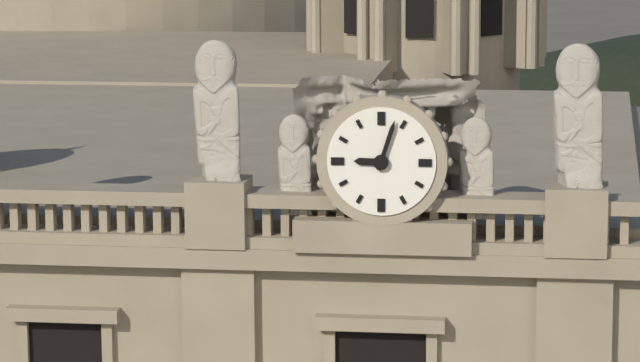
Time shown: {"hour": 9, "minute": 3}
